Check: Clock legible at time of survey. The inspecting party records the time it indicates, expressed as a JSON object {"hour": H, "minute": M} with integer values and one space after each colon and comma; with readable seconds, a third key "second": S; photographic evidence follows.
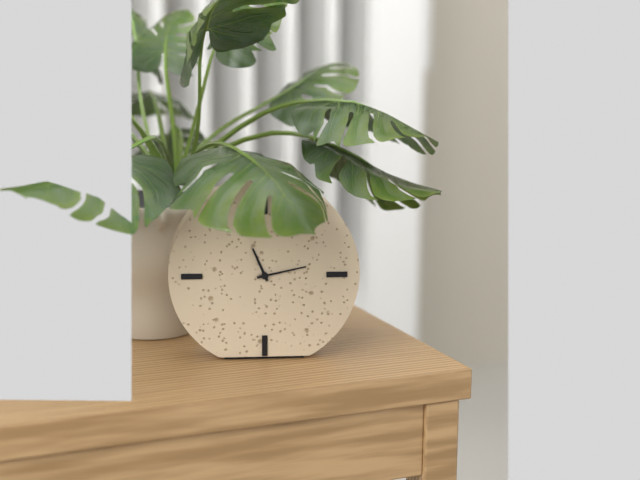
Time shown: {"hour": 11, "minute": 13}
